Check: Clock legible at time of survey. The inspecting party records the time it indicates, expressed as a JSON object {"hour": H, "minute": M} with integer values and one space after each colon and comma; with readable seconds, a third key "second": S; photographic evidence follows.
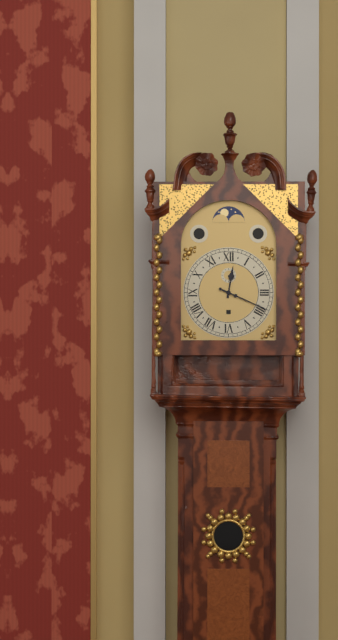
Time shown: {"hour": 12, "minute": 19}
